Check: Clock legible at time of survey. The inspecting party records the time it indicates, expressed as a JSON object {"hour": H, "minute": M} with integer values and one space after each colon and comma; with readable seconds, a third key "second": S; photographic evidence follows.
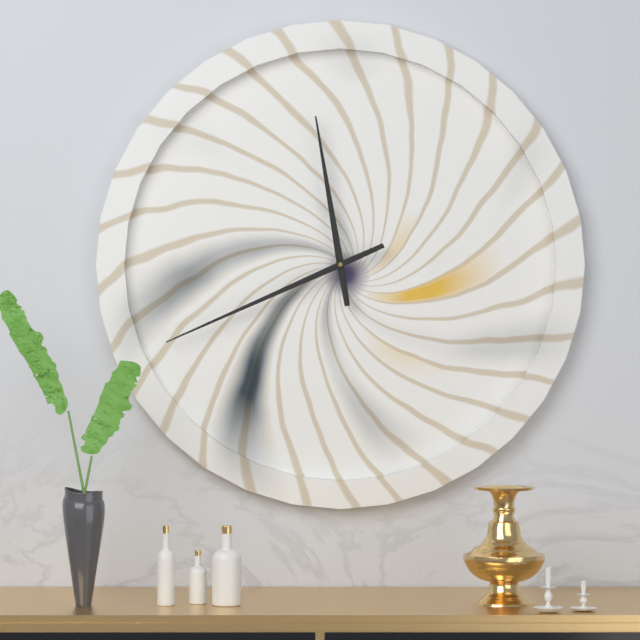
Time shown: {"hour": 11, "minute": 41}
